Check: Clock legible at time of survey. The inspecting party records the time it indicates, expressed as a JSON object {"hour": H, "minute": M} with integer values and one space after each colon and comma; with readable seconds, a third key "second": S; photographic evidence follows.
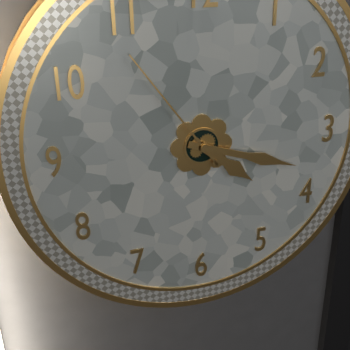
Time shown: {"hour": 4, "minute": 18, "second": 54}
